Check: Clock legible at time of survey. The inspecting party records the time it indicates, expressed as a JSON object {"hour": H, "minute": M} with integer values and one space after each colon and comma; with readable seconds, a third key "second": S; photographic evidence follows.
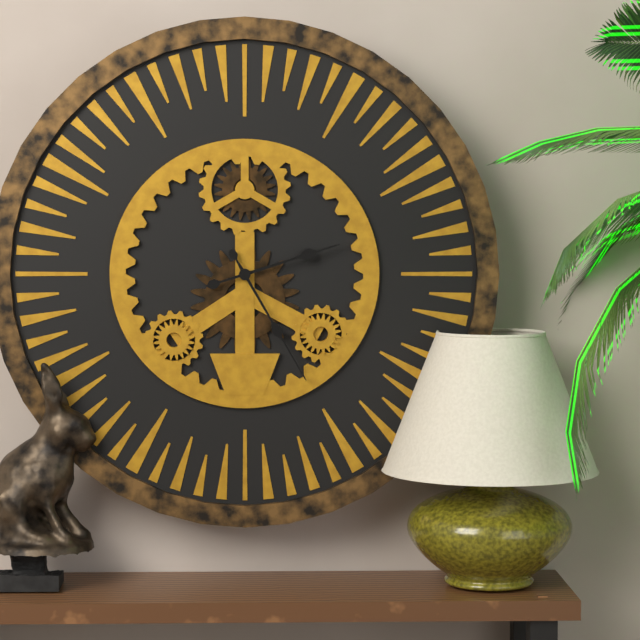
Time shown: {"hour": 2, "minute": 25}
